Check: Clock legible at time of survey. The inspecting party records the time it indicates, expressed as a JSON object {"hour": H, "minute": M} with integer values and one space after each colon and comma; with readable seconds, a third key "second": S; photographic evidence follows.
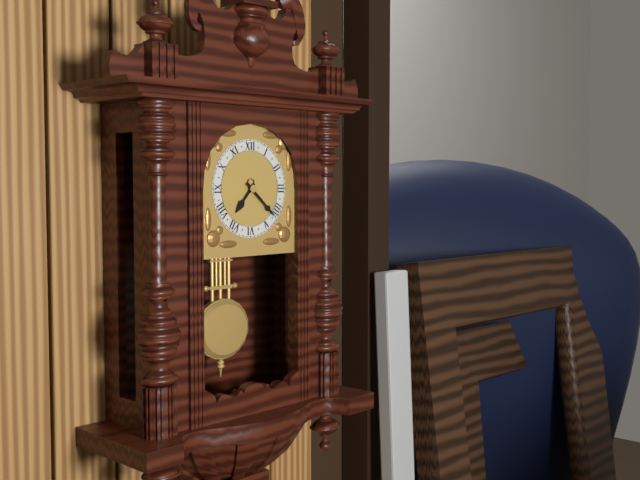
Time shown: {"hour": 7, "minute": 22}
